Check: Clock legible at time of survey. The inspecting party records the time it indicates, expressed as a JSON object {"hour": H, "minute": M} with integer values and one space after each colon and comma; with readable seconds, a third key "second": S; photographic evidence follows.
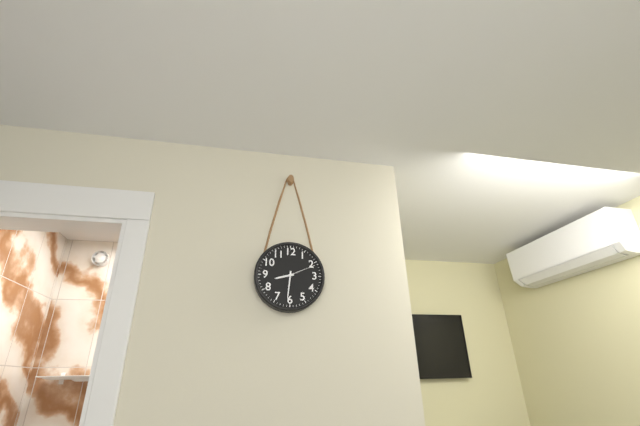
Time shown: {"hour": 8, "minute": 31}
